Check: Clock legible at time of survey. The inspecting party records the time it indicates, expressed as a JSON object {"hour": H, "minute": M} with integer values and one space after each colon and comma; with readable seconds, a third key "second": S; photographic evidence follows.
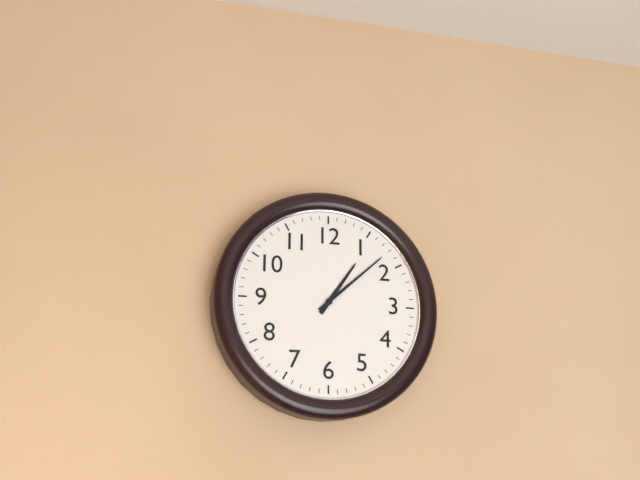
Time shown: {"hour": 1, "minute": 8}
